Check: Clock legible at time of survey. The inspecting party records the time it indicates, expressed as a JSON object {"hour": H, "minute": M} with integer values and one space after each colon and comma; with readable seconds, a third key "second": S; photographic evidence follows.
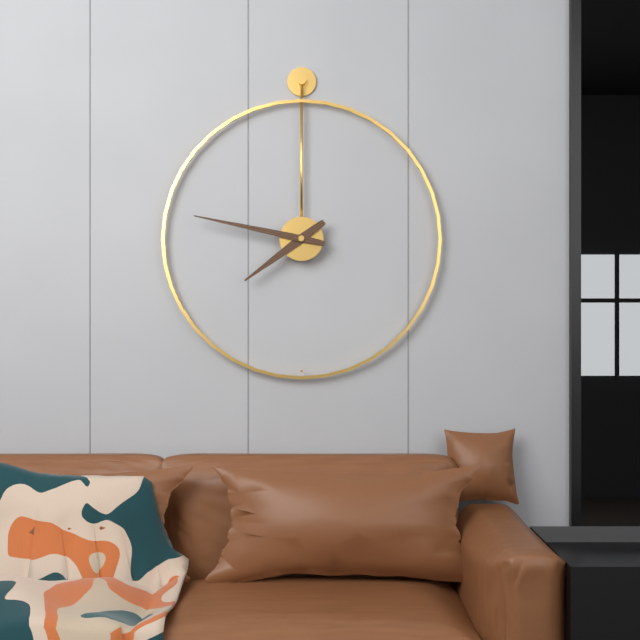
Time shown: {"hour": 7, "minute": 47}
